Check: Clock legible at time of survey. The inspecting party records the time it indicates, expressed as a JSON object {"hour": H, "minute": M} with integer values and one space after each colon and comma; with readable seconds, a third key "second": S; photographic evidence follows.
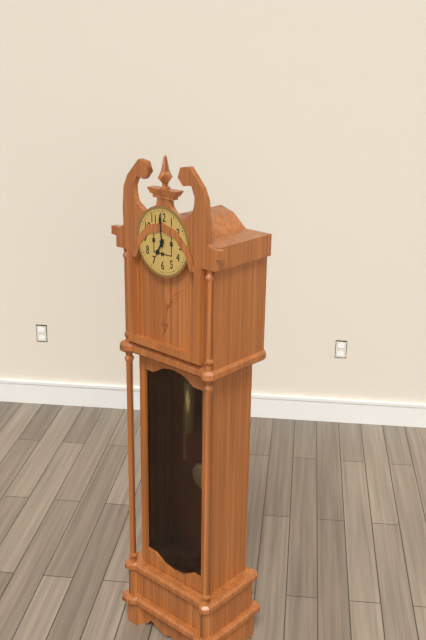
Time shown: {"hour": 6, "minute": 59}
